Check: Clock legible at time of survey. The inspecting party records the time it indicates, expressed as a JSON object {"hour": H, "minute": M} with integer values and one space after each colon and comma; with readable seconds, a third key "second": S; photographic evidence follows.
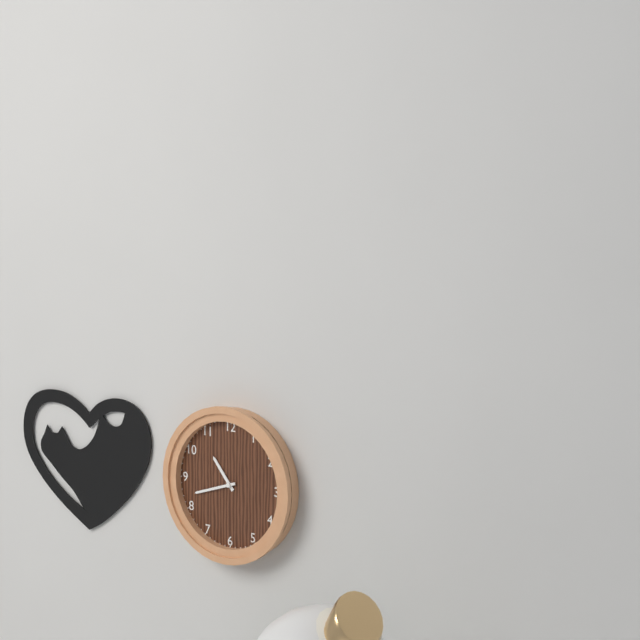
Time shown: {"hour": 10, "minute": 42}
